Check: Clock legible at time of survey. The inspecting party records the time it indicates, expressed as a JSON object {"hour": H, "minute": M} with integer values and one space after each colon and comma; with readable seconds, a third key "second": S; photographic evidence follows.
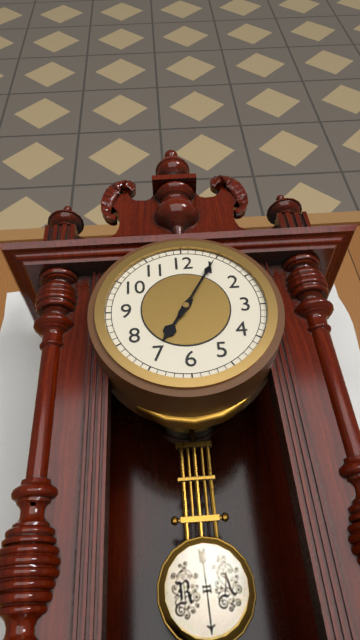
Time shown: {"hour": 7, "minute": 5}
